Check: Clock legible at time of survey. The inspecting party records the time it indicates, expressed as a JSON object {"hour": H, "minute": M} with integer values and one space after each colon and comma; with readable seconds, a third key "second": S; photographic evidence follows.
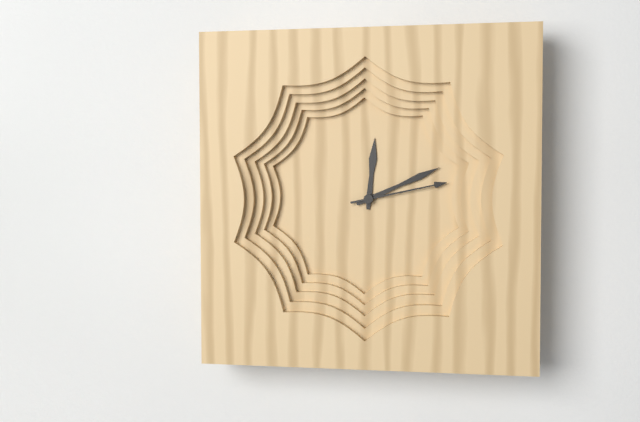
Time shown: {"hour": 12, "minute": 11, "second": 13}
